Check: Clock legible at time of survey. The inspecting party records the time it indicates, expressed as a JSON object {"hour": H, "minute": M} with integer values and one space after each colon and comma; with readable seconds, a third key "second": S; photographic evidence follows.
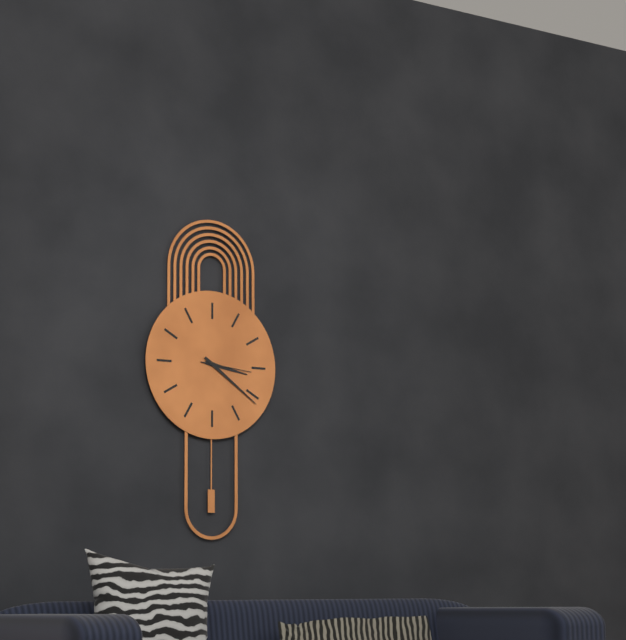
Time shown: {"hour": 3, "minute": 21, "second": 16}
